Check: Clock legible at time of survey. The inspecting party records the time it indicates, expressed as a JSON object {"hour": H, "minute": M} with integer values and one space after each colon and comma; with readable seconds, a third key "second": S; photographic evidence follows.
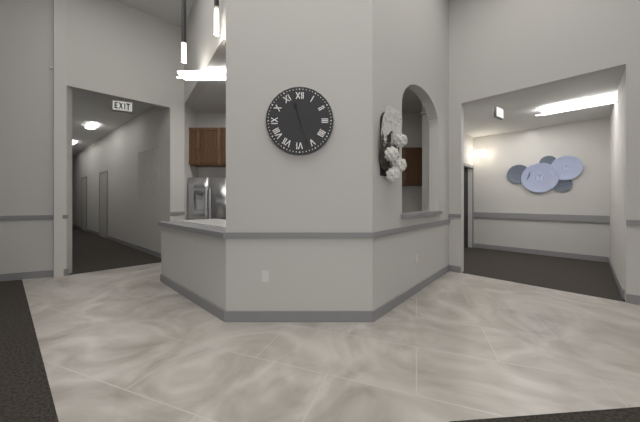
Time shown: {"hour": 11, "minute": 27}
